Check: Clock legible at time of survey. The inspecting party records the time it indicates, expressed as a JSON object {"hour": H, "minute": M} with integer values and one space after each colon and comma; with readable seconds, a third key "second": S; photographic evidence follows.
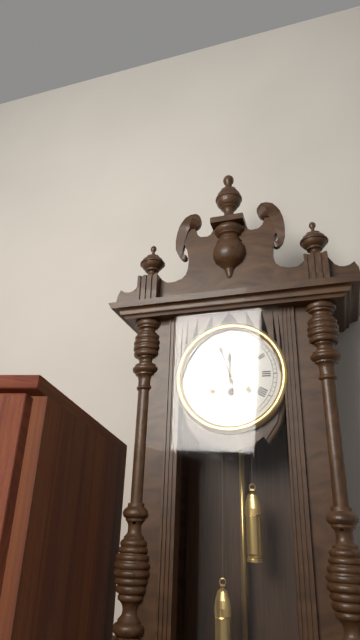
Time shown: {"hour": 11, "minute": 57}
